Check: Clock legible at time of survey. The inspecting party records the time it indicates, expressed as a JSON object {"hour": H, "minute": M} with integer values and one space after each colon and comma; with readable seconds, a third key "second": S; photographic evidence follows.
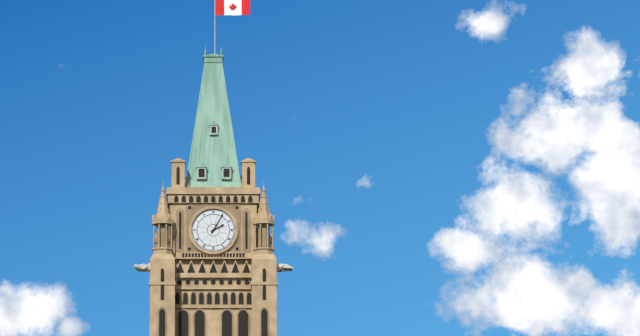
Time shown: {"hour": 2, "minute": 5}
